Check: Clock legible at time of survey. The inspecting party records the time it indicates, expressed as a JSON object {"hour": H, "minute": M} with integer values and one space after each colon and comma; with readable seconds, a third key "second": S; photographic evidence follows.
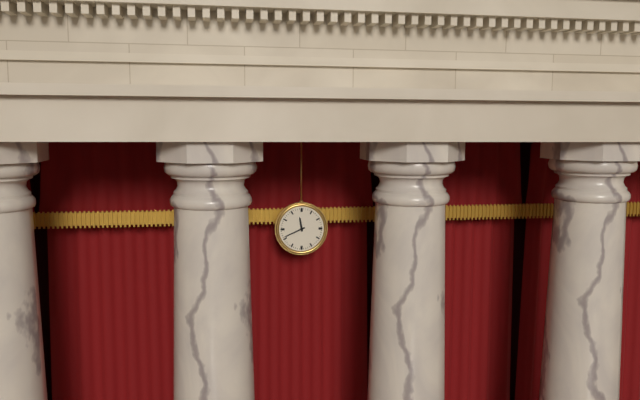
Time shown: {"hour": 11, "minute": 41}
